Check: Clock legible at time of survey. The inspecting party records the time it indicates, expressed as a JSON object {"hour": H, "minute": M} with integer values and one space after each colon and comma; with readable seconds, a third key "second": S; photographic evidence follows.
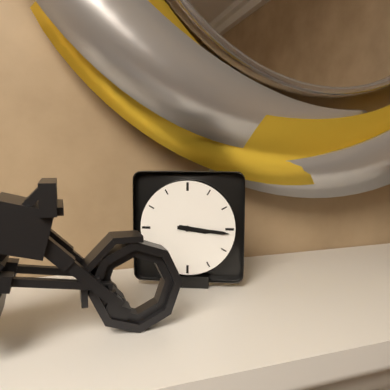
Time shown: {"hour": 3, "minute": 16}
